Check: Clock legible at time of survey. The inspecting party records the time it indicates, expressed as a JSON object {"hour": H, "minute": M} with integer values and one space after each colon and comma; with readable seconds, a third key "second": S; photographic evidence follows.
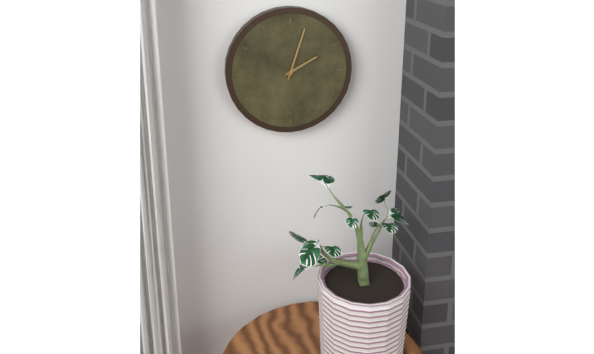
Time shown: {"hour": 2, "minute": 3}
